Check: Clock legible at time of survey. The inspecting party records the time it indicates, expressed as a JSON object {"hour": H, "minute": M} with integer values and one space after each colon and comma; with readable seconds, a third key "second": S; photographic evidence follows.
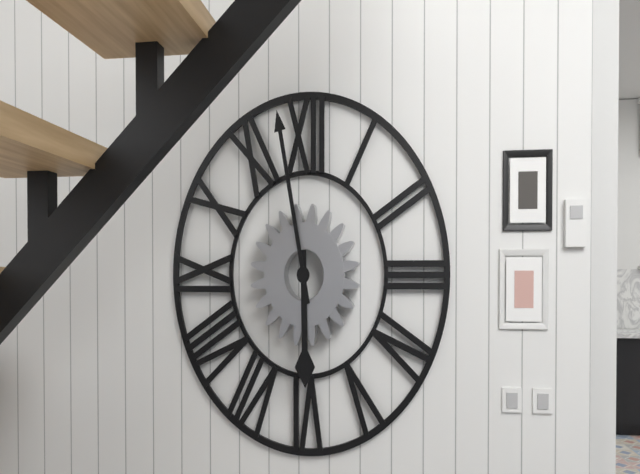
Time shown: {"hour": 5, "minute": 58}
